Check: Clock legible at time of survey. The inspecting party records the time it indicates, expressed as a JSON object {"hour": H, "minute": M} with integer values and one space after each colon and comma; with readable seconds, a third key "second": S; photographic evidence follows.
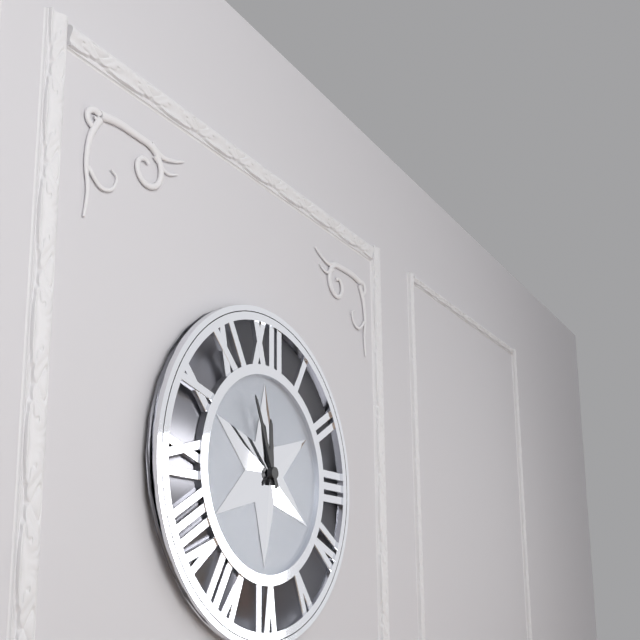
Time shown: {"hour": 11, "minute": 56}
